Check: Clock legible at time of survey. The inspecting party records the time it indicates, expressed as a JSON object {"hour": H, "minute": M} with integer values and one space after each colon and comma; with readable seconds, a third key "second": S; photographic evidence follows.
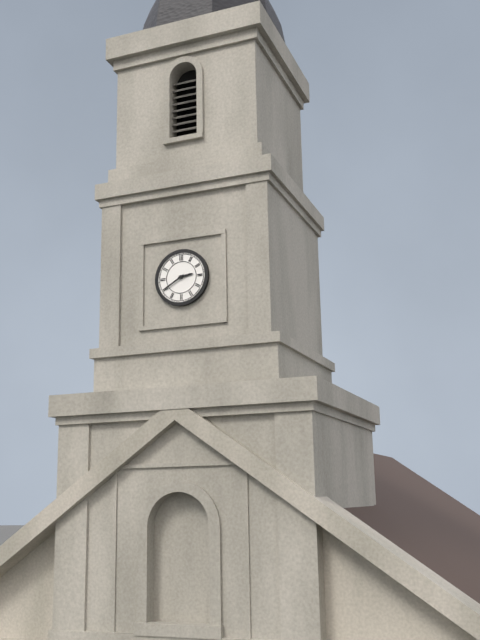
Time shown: {"hour": 2, "minute": 40}
